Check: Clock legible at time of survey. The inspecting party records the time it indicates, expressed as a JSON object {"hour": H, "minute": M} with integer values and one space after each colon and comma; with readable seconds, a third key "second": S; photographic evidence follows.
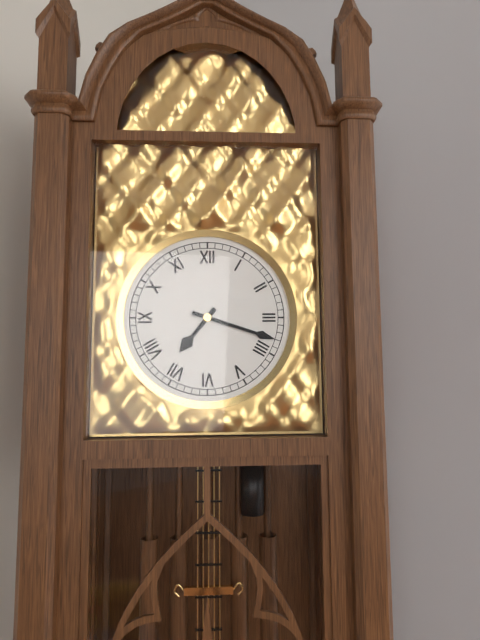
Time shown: {"hour": 7, "minute": 18}
